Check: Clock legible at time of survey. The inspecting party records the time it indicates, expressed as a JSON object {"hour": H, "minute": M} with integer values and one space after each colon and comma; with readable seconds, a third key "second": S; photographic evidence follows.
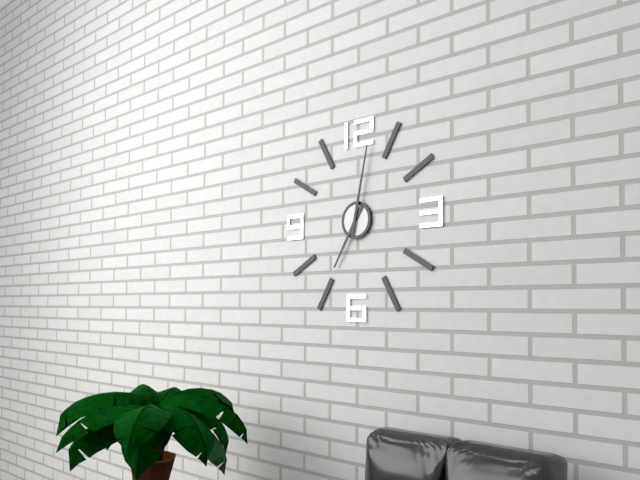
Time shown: {"hour": 7, "minute": 2}
